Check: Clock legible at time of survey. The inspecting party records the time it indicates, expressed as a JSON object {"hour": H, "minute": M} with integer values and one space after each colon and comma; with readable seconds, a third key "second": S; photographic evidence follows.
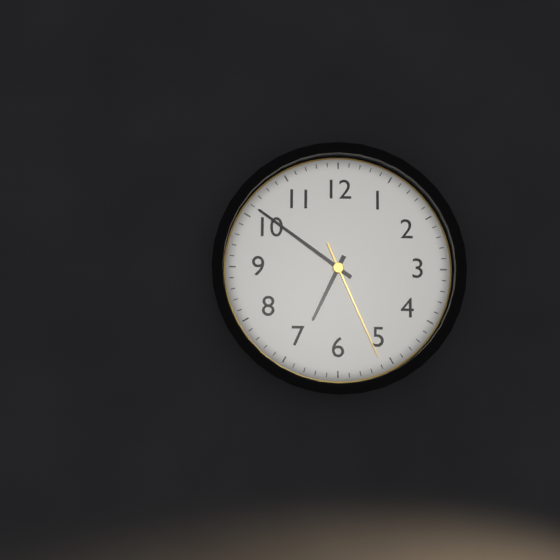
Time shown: {"hour": 6, "minute": 51, "second": 26}
